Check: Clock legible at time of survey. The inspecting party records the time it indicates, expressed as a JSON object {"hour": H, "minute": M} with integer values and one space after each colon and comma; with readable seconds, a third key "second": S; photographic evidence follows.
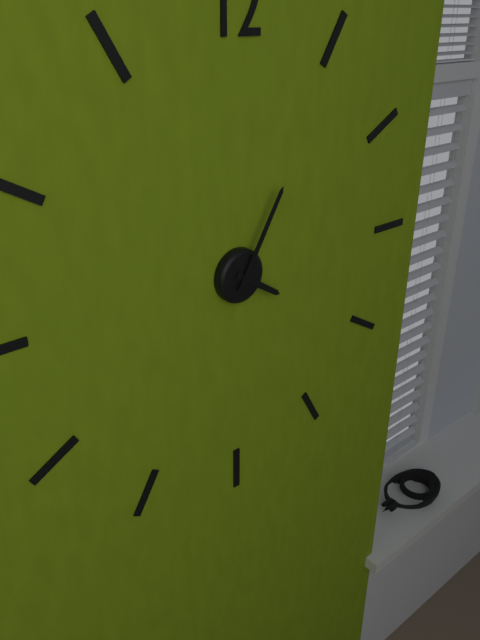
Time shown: {"hour": 4, "minute": 5}
